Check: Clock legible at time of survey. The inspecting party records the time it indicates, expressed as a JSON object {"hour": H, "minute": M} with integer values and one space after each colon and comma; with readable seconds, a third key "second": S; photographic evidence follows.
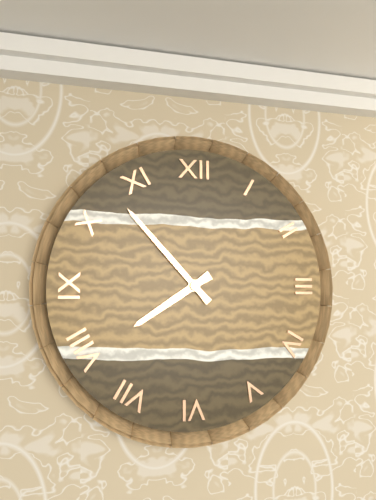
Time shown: {"hour": 7, "minute": 53}
